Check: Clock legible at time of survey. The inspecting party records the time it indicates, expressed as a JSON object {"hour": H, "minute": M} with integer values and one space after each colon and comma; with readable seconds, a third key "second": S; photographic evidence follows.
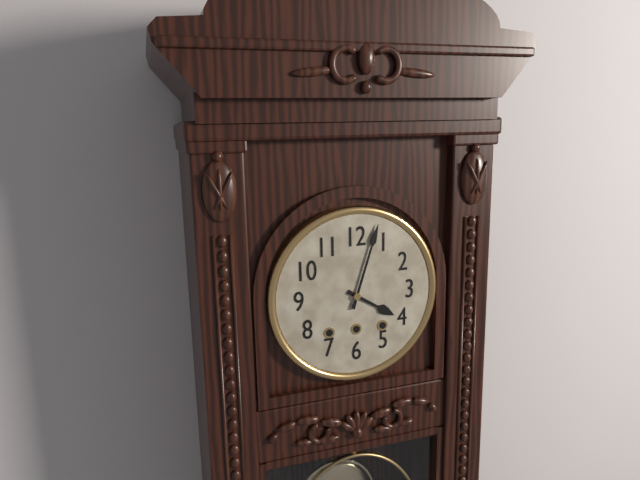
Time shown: {"hour": 4, "minute": 3}
